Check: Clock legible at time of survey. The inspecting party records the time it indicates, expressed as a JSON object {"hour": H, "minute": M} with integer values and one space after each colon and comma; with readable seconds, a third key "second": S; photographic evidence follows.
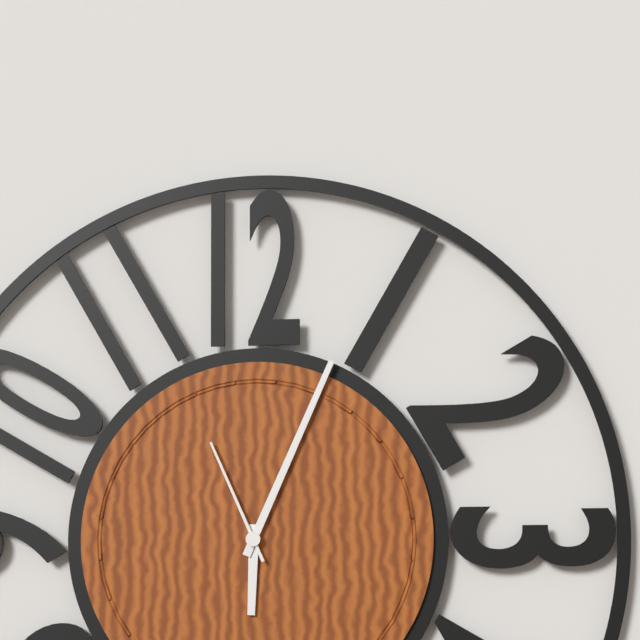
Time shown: {"hour": 6, "minute": 4, "second": 56}
